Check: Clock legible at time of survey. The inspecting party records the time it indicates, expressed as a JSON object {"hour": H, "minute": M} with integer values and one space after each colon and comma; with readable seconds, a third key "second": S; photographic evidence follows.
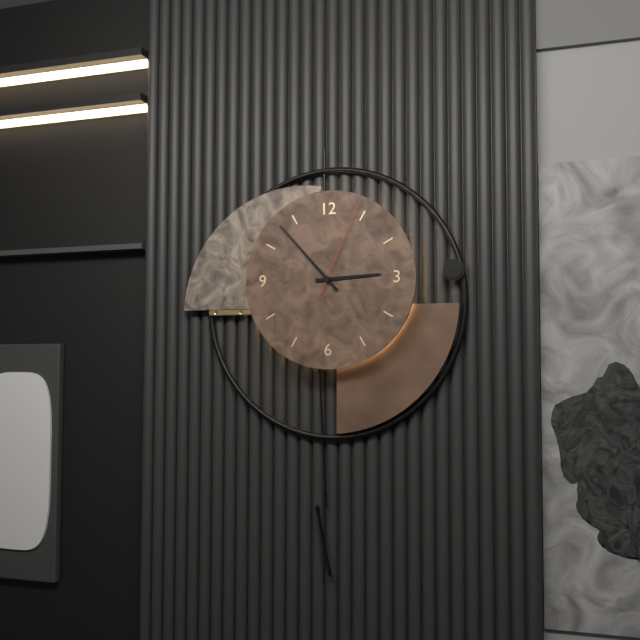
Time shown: {"hour": 2, "minute": 53, "second": 4}
